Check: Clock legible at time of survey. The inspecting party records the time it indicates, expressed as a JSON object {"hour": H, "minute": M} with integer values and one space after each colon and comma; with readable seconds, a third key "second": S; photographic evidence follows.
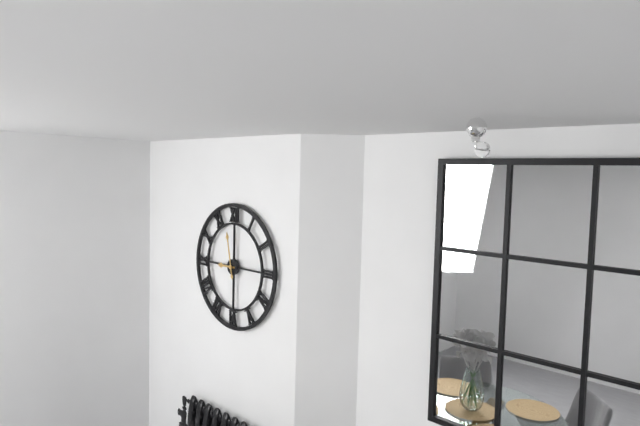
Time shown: {"hour": 8, "minute": 58}
